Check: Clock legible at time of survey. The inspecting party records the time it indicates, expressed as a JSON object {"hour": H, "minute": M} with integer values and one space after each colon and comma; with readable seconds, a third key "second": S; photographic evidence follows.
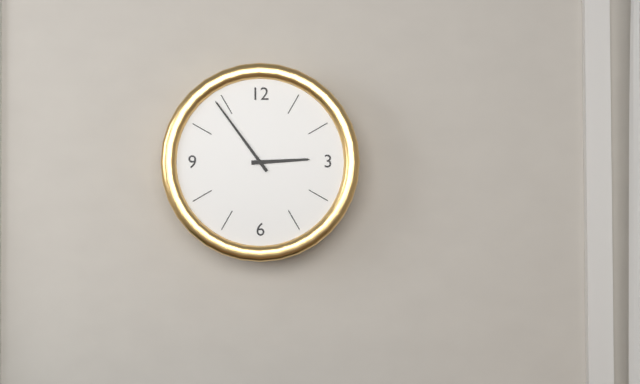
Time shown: {"hour": 2, "minute": 54}
